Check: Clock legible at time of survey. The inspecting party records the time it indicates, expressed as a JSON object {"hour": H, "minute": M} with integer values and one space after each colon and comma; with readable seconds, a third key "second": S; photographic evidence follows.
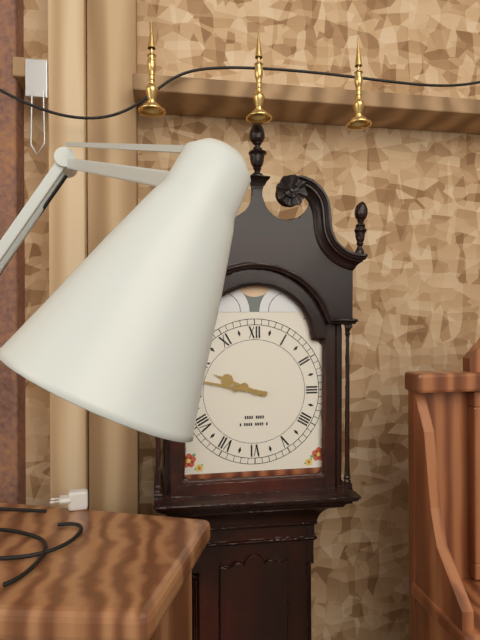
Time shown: {"hour": 9, "minute": 47}
